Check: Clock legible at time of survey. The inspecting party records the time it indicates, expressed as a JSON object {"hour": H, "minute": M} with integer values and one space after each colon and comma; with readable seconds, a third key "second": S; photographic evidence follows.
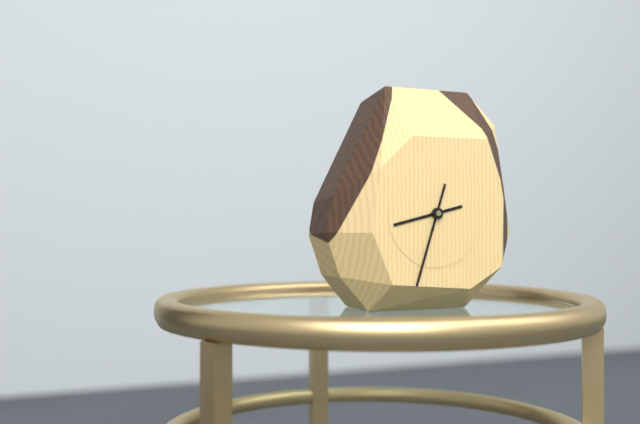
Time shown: {"hour": 8, "minute": 33}
